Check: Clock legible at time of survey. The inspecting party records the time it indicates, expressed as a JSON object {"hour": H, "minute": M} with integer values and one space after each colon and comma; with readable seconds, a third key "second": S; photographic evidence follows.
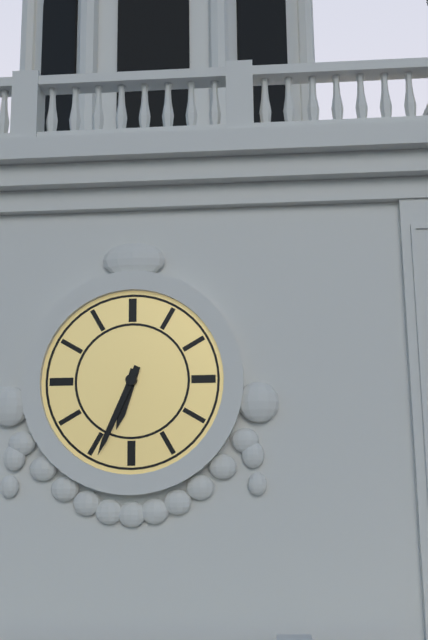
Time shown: {"hour": 6, "minute": 34}
